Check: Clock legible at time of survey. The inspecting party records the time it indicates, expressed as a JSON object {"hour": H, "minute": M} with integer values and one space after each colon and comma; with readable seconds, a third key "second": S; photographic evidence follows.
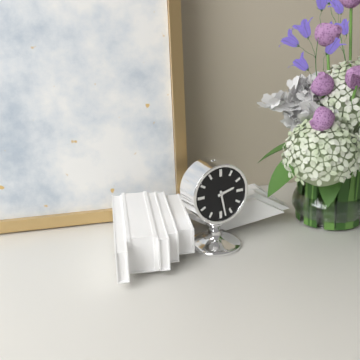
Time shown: {"hour": 2, "minute": 28}
